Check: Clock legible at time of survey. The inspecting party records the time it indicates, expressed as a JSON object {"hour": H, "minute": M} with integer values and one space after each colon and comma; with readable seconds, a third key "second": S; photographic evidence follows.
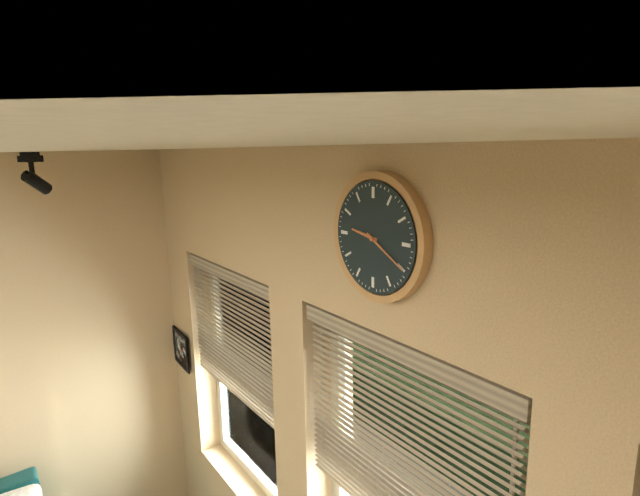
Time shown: {"hour": 9, "minute": 20}
